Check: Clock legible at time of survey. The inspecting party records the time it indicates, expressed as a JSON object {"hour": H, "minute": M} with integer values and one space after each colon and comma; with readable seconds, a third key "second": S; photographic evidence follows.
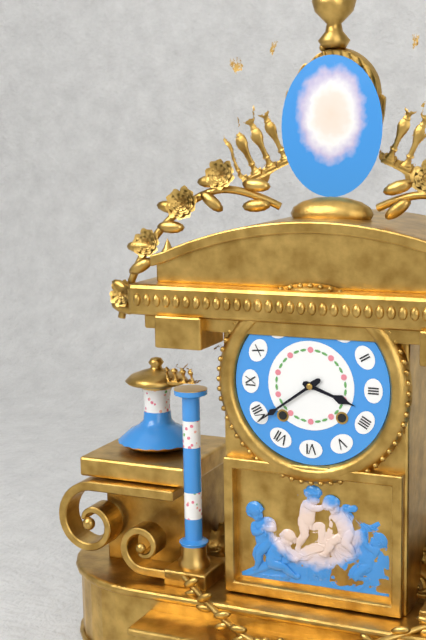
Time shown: {"hour": 3, "minute": 39}
